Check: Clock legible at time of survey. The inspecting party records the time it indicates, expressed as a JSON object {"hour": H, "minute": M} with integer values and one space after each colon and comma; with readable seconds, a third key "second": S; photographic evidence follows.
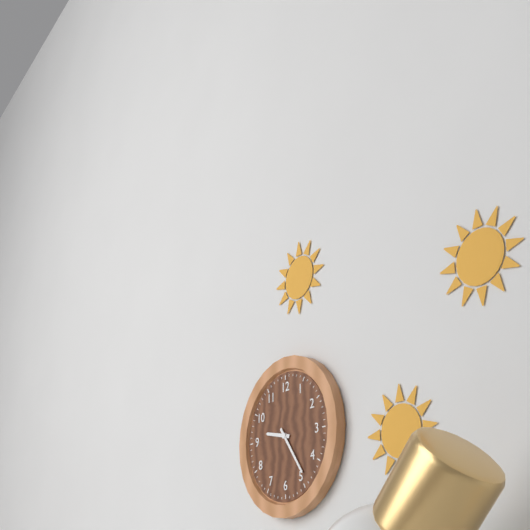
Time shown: {"hour": 9, "minute": 24}
